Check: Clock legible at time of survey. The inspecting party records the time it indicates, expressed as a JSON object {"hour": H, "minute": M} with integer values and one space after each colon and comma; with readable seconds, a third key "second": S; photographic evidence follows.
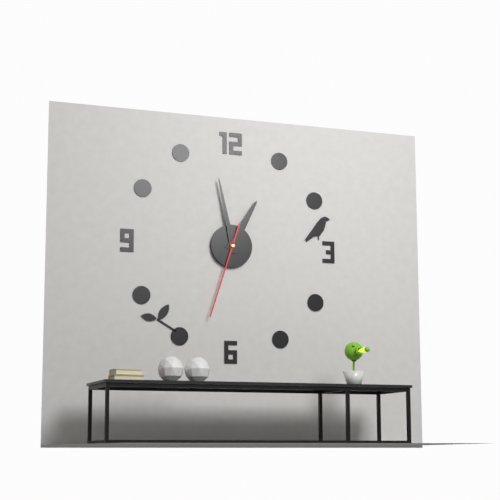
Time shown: {"hour": 12, "minute": 58, "second": 33}
